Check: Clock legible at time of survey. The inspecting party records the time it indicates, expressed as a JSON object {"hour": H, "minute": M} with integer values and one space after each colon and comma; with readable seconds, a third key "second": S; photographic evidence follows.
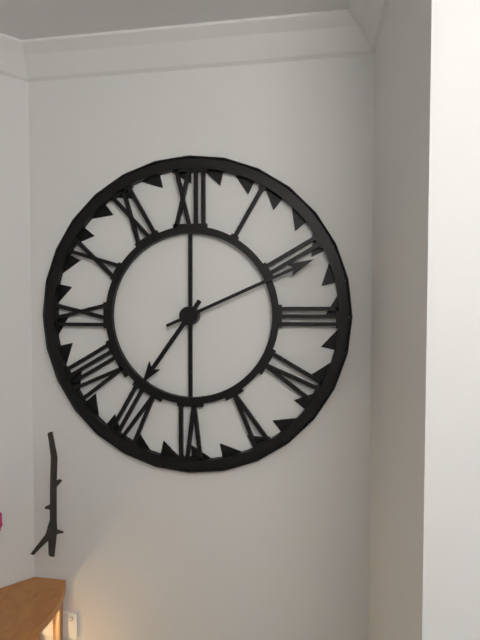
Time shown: {"hour": 7, "minute": 11}
